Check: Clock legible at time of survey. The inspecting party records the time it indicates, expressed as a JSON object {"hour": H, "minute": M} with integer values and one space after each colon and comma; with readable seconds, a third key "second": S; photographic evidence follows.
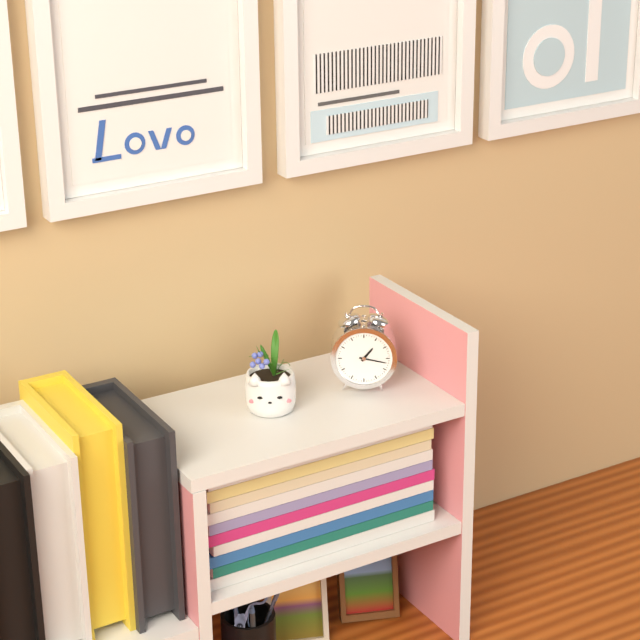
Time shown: {"hour": 1, "minute": 17}
